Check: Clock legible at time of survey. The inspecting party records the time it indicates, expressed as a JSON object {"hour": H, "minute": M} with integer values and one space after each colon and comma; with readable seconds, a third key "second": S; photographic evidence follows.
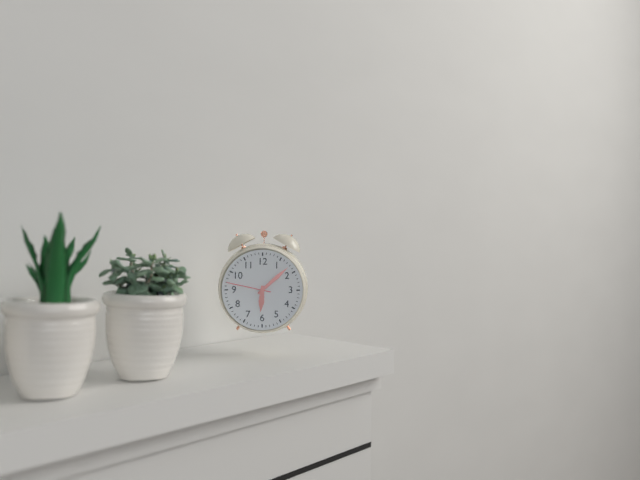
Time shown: {"hour": 6, "minute": 8}
